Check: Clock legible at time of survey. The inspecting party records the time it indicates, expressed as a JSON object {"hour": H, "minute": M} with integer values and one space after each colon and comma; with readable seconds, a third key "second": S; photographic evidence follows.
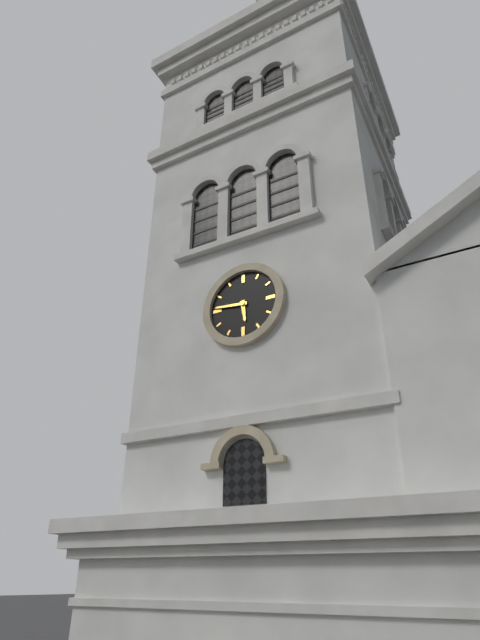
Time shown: {"hour": 5, "minute": 46}
